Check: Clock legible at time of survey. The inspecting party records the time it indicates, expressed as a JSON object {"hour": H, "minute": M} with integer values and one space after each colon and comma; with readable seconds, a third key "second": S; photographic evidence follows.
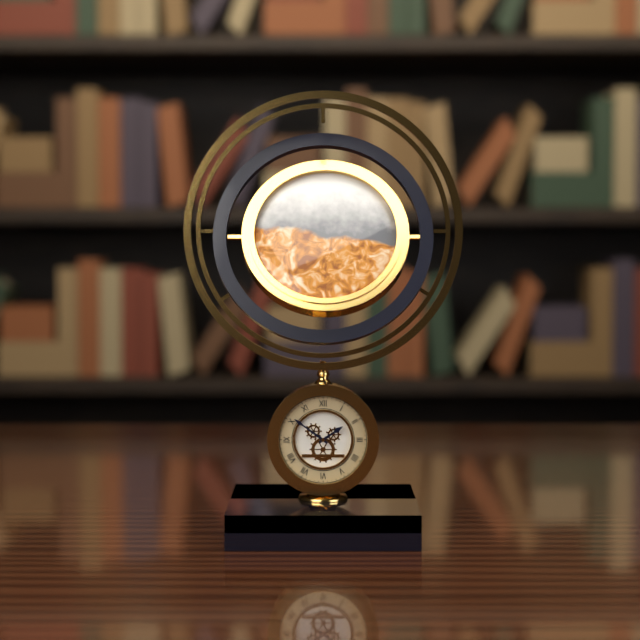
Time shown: {"hour": 1, "minute": 51}
